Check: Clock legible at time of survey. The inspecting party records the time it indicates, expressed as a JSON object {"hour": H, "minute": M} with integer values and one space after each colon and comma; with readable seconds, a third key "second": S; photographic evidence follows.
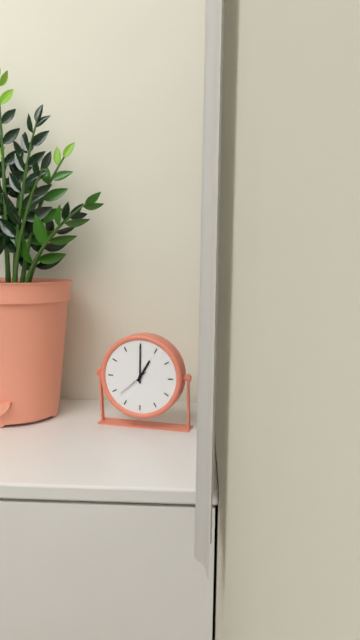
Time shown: {"hour": 1, "minute": 0}
